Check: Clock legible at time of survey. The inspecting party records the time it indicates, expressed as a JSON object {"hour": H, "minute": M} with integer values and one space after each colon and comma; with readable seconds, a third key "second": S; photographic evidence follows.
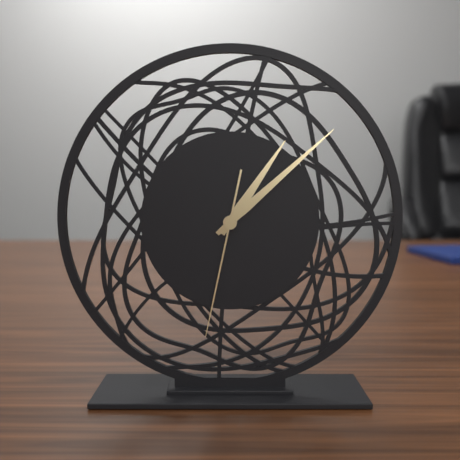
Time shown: {"hour": 1, "minute": 8, "second": 32}
